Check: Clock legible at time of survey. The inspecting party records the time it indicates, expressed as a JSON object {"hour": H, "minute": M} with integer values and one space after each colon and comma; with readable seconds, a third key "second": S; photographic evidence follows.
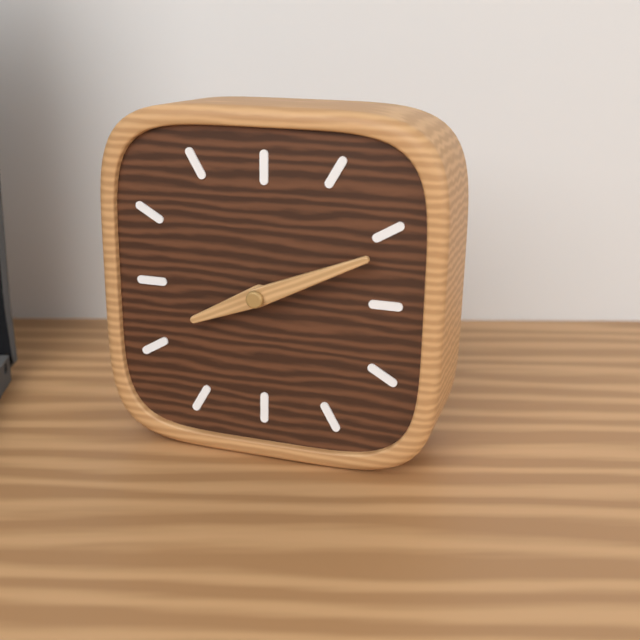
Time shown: {"hour": 8, "minute": 11}
